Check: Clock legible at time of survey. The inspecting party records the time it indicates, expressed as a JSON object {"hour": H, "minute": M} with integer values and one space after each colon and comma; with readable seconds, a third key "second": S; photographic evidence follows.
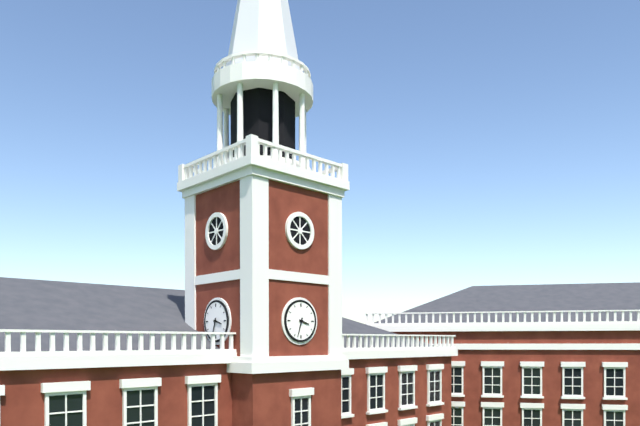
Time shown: {"hour": 3, "minute": 33}
